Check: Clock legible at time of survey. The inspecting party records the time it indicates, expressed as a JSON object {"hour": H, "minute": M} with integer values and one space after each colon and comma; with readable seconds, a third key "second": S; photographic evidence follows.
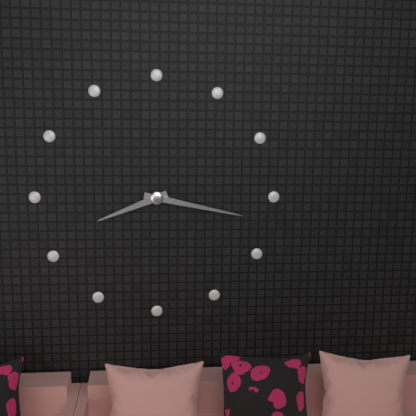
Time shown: {"hour": 8, "minute": 17}
